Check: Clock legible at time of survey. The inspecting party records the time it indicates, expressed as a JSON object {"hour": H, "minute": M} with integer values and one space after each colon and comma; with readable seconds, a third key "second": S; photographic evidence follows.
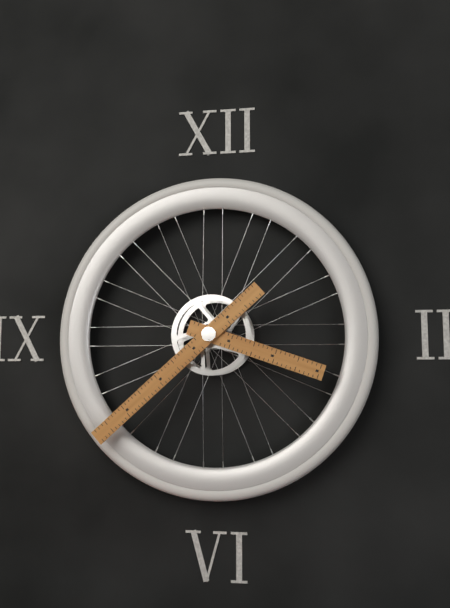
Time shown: {"hour": 3, "minute": 38}
